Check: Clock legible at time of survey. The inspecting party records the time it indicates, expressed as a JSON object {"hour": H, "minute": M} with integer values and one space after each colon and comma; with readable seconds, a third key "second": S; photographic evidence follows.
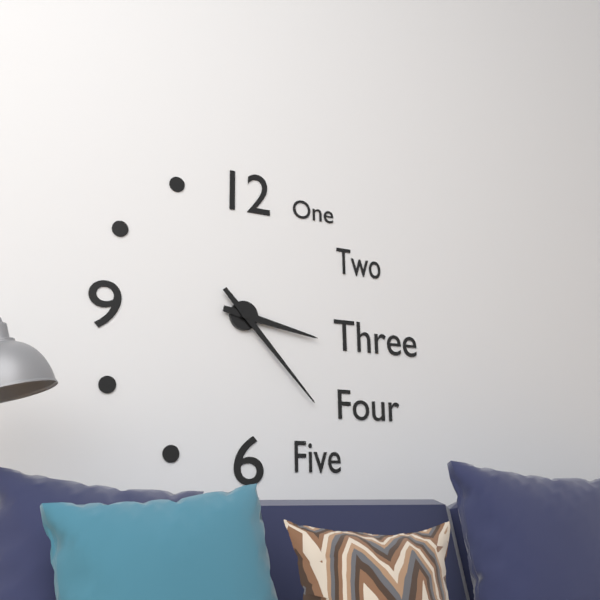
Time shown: {"hour": 3, "minute": 23}
